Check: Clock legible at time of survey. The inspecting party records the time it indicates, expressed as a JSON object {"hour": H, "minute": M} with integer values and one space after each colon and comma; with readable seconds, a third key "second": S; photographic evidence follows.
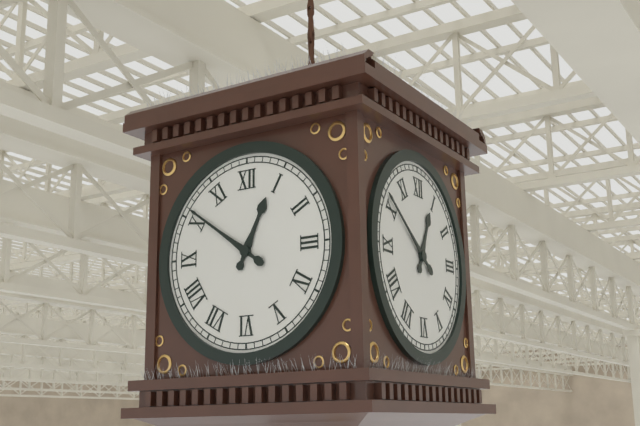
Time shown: {"hour": 12, "minute": 51}
